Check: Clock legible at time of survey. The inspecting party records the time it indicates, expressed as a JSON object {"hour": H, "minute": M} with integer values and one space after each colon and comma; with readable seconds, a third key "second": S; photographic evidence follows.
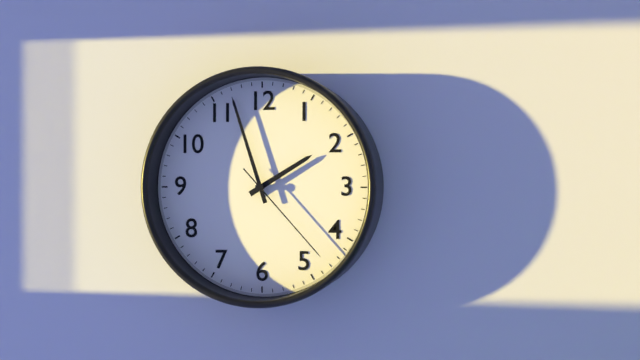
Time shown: {"hour": 1, "minute": 57, "second": 23}
